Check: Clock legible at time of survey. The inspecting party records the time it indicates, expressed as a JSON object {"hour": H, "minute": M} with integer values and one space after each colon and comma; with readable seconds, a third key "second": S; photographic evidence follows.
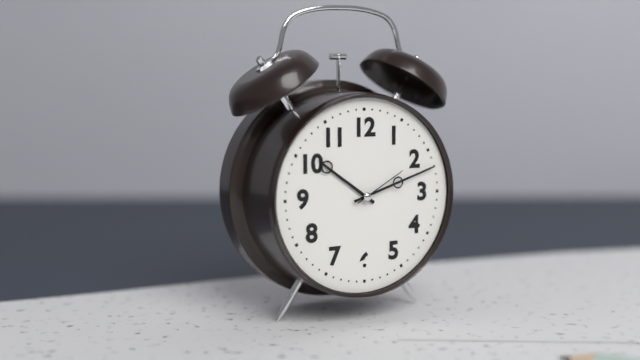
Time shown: {"hour": 10, "minute": 12, "second": 10}
